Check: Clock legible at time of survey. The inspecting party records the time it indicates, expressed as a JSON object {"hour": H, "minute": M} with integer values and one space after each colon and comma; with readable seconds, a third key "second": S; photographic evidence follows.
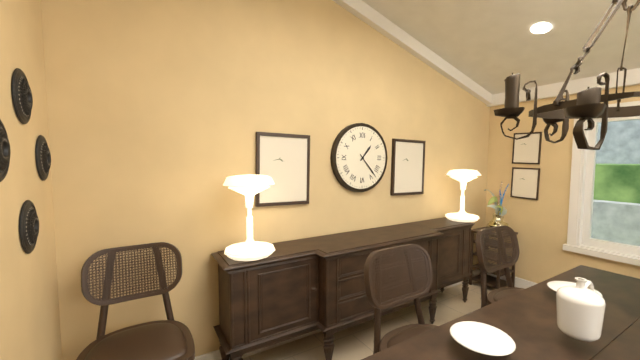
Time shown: {"hour": 1, "minute": 23}
